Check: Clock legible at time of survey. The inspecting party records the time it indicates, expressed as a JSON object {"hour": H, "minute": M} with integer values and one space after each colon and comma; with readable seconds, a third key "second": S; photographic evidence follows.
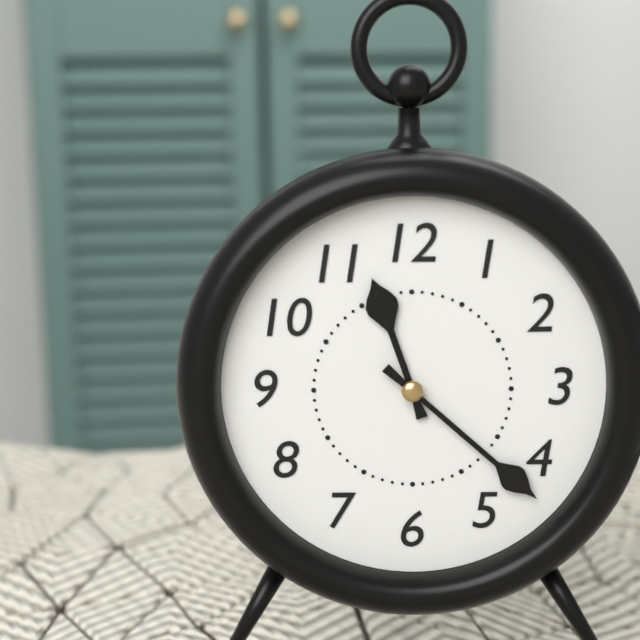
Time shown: {"hour": 11, "minute": 22}
